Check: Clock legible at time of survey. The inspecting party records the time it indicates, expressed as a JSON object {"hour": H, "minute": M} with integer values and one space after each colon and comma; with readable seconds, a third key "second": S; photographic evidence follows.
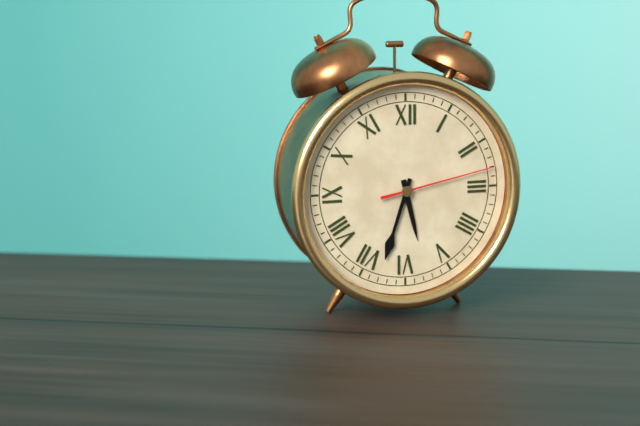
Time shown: {"hour": 5, "minute": 33, "second": 13}
